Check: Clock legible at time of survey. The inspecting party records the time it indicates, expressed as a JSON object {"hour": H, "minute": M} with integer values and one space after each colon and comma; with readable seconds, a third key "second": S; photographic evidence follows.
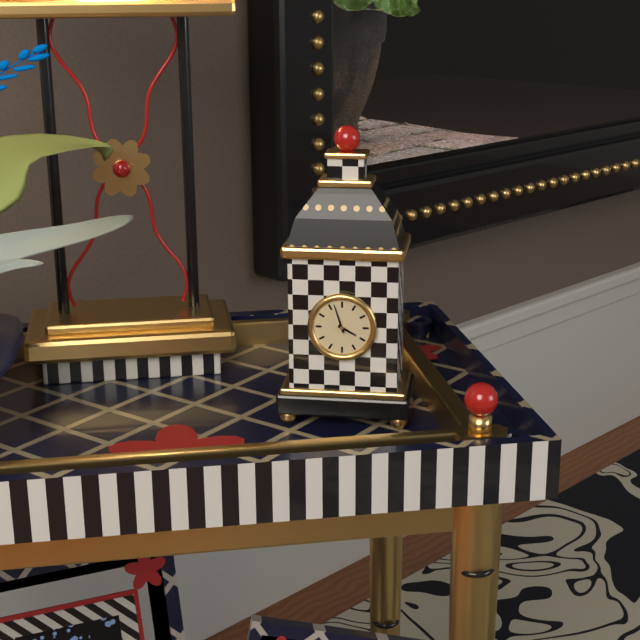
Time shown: {"hour": 3, "minute": 57}
